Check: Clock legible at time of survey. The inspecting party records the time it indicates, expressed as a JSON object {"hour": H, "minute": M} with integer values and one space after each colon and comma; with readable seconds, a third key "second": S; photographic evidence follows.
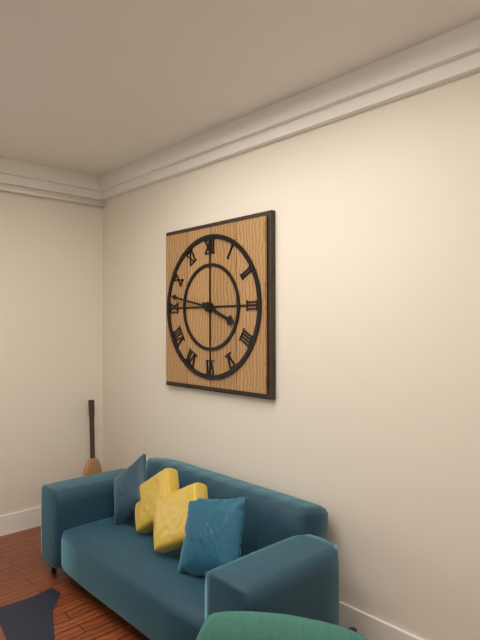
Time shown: {"hour": 3, "minute": 47}
